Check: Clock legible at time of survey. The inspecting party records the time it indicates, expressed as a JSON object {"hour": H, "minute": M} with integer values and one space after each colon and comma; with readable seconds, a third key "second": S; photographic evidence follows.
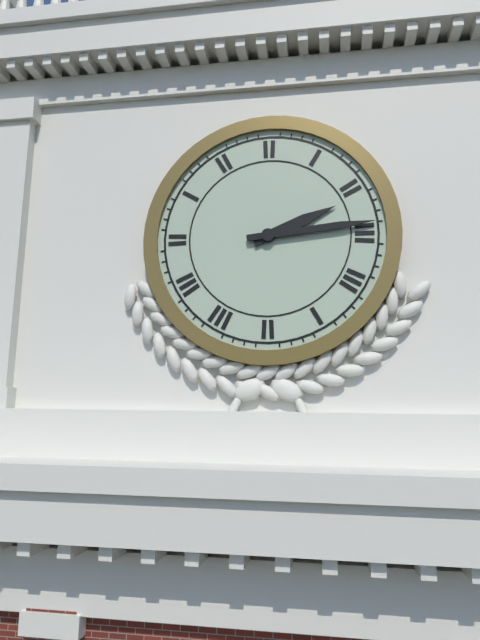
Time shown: {"hour": 2, "minute": 14}
